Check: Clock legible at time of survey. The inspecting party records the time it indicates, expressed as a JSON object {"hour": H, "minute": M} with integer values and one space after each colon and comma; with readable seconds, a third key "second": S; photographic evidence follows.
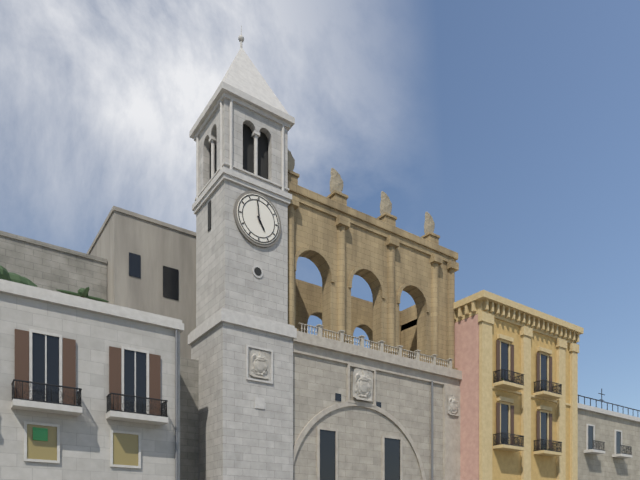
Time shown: {"hour": 4, "minute": 59}
